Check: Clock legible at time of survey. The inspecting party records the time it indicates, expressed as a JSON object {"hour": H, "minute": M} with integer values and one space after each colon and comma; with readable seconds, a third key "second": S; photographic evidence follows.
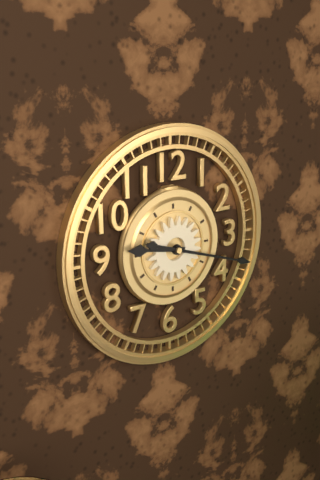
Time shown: {"hour": 9, "minute": 18}
